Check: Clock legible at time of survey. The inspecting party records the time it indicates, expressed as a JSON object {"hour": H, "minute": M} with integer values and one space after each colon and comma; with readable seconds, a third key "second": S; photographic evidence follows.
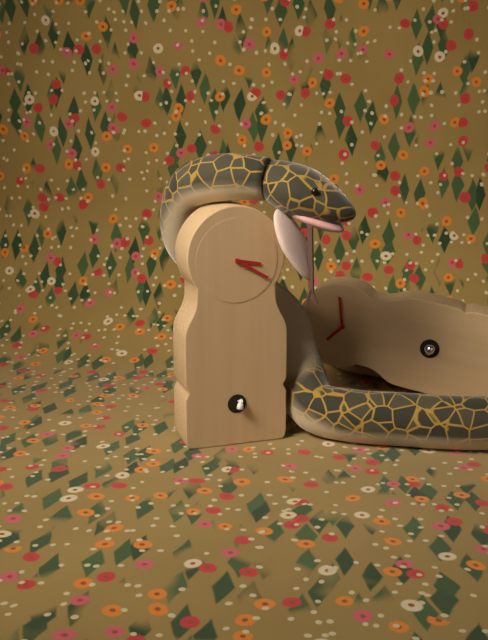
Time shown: {"hour": 3, "minute": 20}
